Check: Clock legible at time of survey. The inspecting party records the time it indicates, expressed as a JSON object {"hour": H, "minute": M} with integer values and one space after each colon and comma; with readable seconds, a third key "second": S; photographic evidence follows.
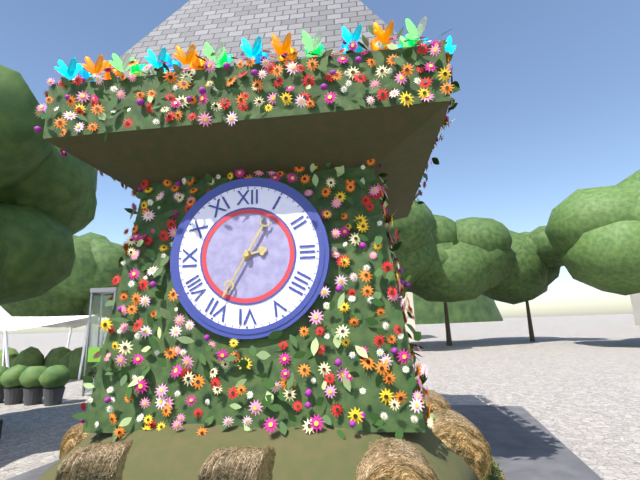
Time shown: {"hour": 2, "minute": 35}
